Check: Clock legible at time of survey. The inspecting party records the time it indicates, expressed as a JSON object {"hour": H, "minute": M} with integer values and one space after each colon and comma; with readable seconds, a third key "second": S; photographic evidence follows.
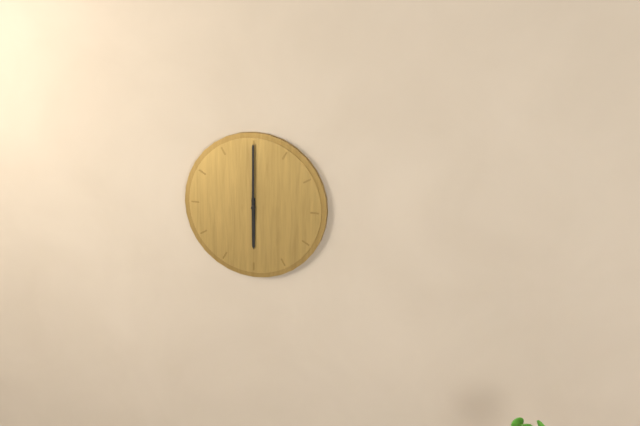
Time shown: {"hour": 6, "minute": 0}
